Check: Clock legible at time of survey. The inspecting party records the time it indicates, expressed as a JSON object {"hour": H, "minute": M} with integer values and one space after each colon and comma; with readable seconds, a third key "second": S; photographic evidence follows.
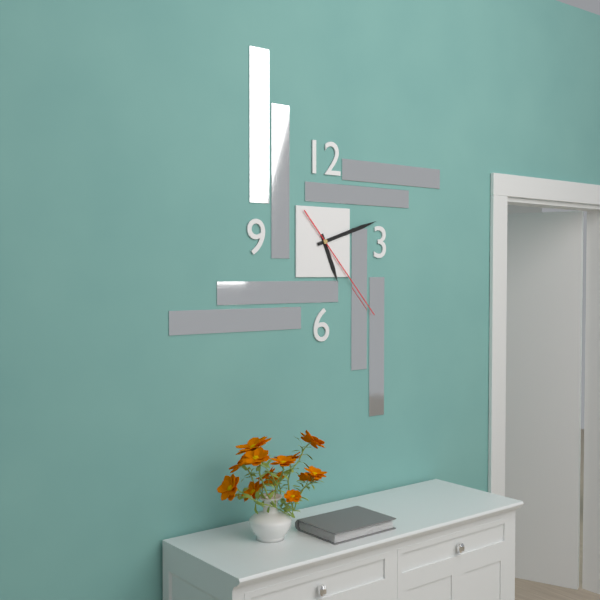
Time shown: {"hour": 5, "minute": 12, "second": 23}
